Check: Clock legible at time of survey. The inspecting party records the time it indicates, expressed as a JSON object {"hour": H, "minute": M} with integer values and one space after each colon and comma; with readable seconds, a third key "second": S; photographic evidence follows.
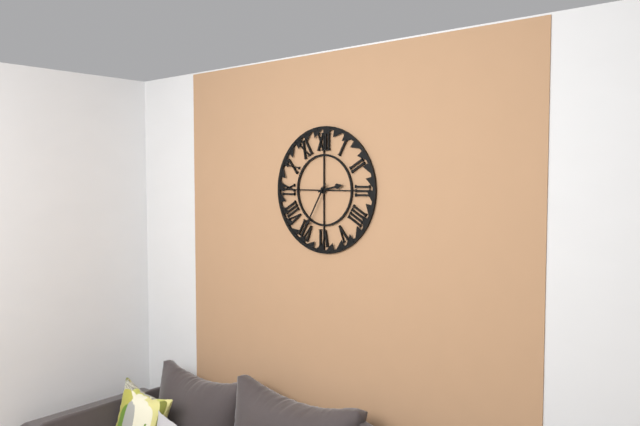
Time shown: {"hour": 2, "minute": 35}
